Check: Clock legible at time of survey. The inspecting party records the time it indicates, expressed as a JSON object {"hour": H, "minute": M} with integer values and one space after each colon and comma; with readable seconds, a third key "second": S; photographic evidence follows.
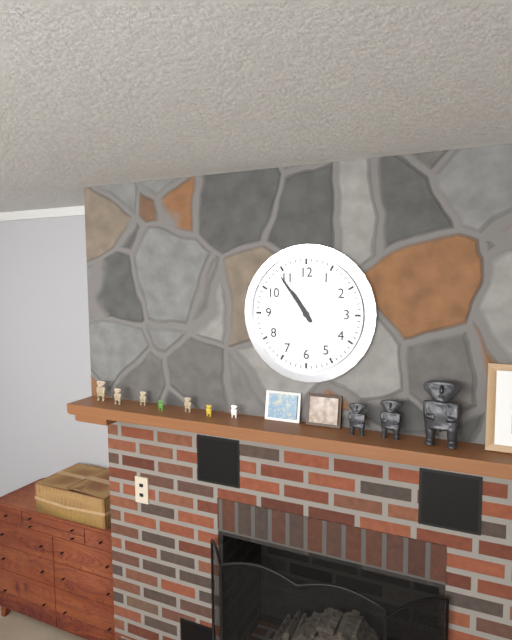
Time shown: {"hour": 10, "minute": 54}
